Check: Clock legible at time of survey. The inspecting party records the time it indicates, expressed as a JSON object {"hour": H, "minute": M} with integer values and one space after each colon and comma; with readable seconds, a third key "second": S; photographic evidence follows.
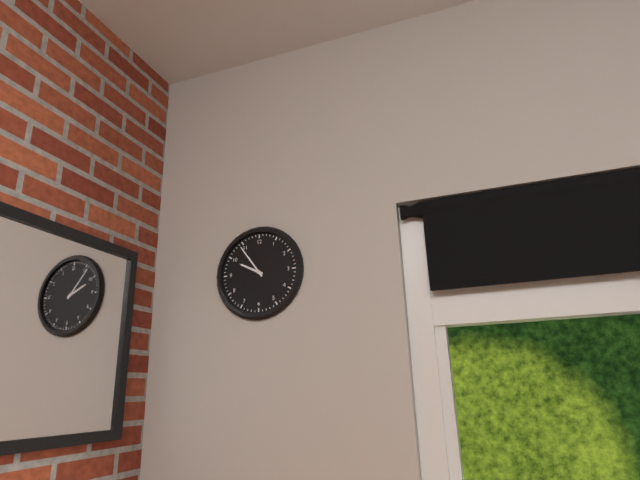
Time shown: {"hour": 9, "minute": 54}
